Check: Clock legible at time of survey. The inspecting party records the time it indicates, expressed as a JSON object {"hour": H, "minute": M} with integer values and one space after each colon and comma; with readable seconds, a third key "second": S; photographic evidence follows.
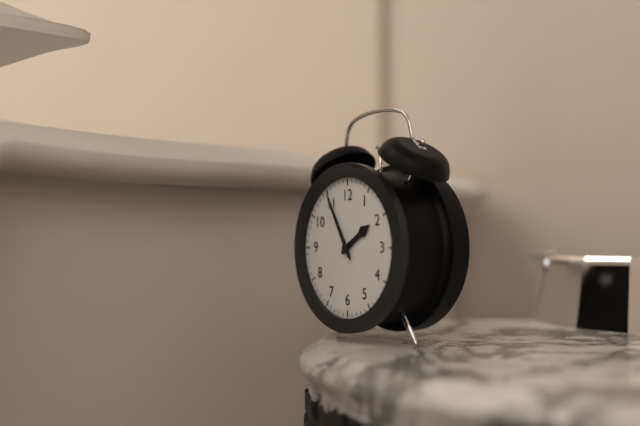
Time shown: {"hour": 1, "minute": 55}
